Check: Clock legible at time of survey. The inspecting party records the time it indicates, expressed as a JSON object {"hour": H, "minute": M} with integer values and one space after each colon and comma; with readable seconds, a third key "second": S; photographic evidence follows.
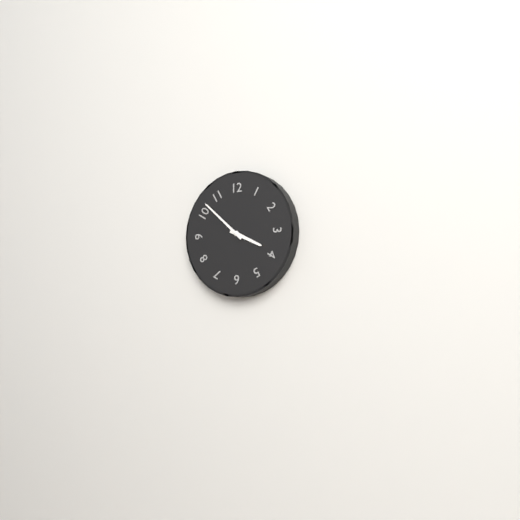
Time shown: {"hour": 3, "minute": 52}
